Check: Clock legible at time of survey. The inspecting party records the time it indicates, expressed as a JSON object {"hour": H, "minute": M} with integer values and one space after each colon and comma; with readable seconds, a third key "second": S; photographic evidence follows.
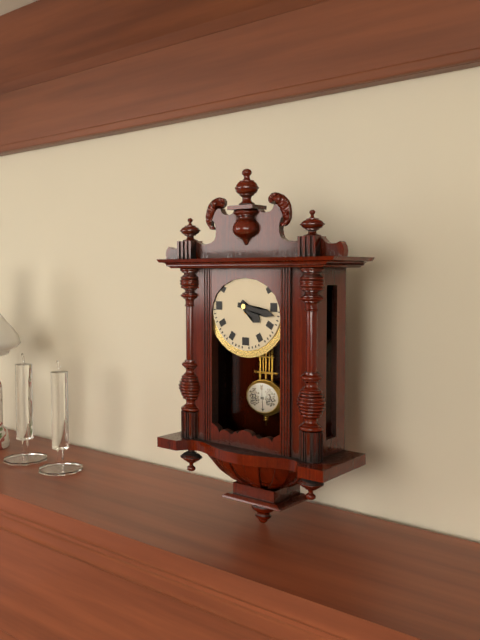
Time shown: {"hour": 4, "minute": 17}
